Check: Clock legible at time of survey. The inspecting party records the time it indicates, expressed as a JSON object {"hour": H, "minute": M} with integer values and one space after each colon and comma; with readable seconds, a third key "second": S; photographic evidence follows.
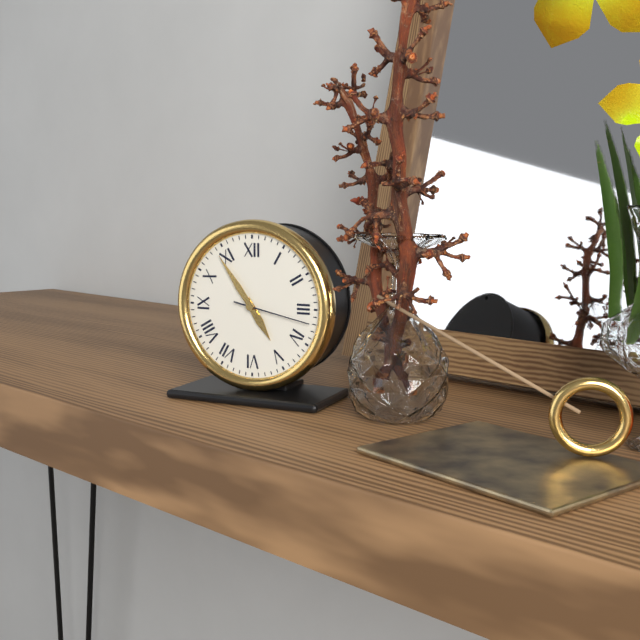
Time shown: {"hour": 4, "minute": 54, "second": 17}
